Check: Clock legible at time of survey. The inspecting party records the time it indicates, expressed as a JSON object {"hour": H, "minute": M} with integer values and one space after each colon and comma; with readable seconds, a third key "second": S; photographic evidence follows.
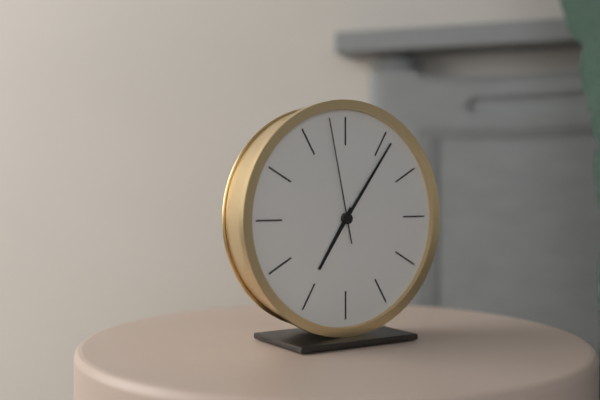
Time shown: {"hour": 7, "minute": 6, "second": 58}
